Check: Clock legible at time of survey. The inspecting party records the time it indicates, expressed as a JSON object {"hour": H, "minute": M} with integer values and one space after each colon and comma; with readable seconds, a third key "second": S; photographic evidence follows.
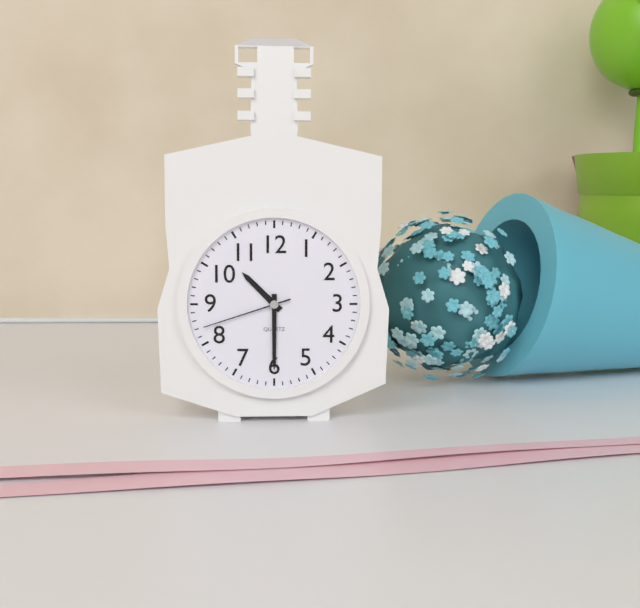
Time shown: {"hour": 10, "minute": 30, "second": 42}
